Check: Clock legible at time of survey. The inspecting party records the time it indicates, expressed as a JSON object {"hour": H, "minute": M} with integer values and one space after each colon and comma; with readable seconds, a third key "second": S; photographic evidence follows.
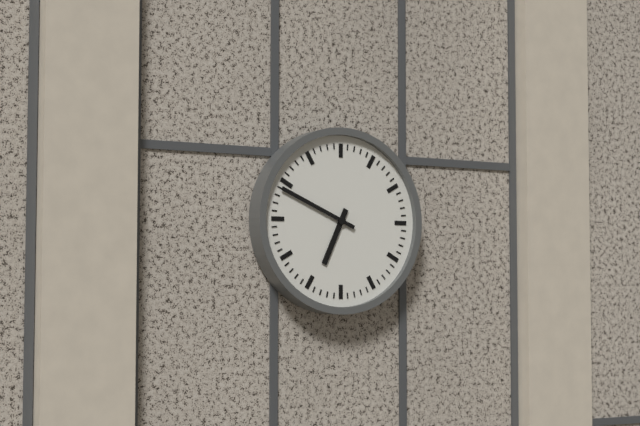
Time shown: {"hour": 6, "minute": 49}
